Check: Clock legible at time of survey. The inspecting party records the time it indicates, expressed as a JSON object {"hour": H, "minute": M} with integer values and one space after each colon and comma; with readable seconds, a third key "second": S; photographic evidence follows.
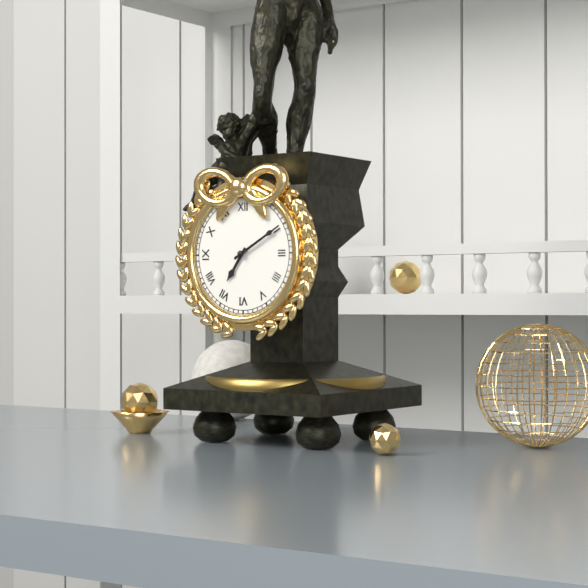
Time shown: {"hour": 7, "minute": 10}
